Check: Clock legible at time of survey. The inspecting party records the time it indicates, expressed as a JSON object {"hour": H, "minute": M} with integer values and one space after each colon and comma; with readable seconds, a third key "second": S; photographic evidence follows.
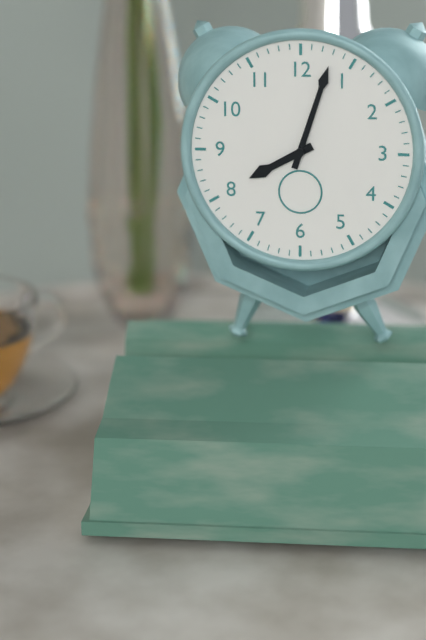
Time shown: {"hour": 8, "minute": 3}
